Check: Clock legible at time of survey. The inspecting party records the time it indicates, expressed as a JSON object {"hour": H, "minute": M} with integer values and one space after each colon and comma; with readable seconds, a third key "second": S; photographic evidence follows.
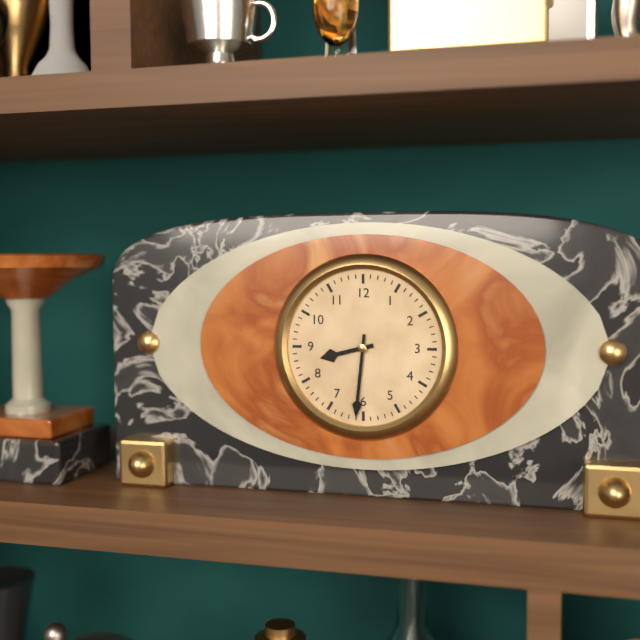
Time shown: {"hour": 8, "minute": 31}
